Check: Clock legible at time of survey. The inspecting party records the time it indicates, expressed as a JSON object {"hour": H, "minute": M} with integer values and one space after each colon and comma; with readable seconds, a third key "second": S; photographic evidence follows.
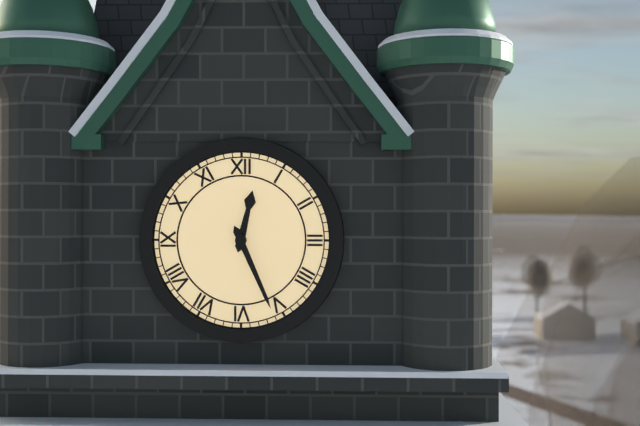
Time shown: {"hour": 12, "minute": 26}
